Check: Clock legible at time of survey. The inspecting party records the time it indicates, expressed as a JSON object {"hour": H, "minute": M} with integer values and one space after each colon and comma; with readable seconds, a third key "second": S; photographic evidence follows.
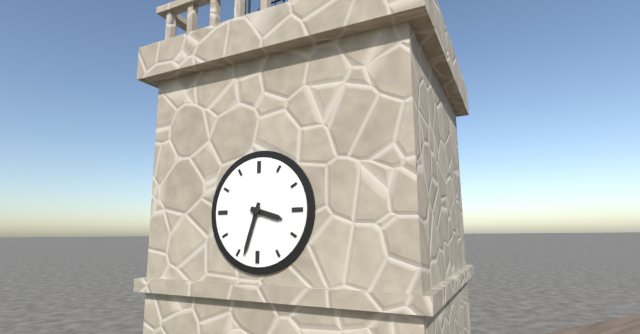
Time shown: {"hour": 3, "minute": 33}
